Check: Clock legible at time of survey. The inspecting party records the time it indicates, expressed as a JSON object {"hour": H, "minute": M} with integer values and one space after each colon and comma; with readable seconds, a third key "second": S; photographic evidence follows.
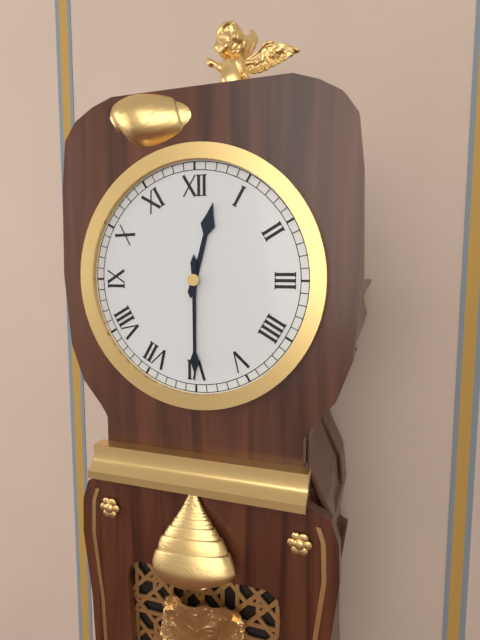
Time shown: {"hour": 12, "minute": 30}
